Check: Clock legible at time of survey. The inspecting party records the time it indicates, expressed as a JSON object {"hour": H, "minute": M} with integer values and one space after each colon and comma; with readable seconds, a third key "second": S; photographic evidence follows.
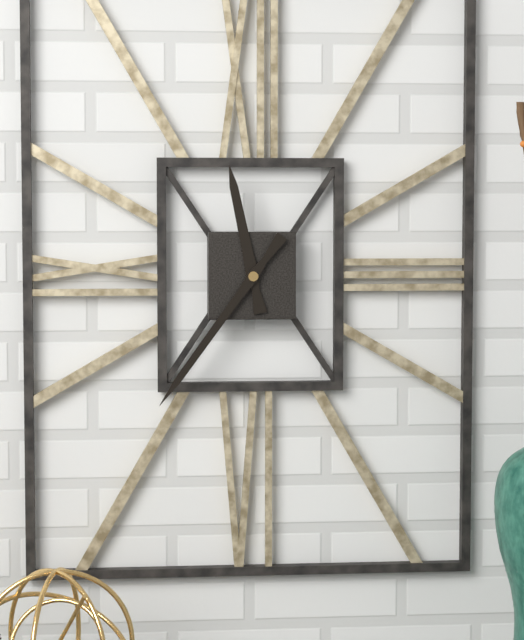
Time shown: {"hour": 11, "minute": 36}
